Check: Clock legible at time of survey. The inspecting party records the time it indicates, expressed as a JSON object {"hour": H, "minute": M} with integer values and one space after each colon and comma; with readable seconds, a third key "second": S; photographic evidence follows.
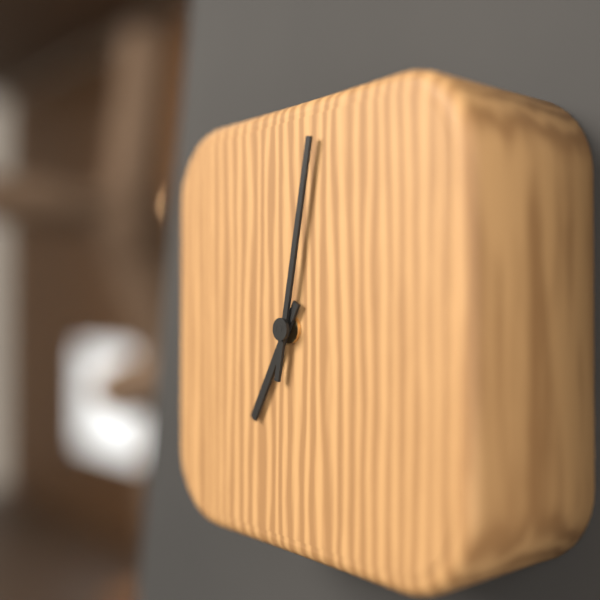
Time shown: {"hour": 7, "minute": 2}
